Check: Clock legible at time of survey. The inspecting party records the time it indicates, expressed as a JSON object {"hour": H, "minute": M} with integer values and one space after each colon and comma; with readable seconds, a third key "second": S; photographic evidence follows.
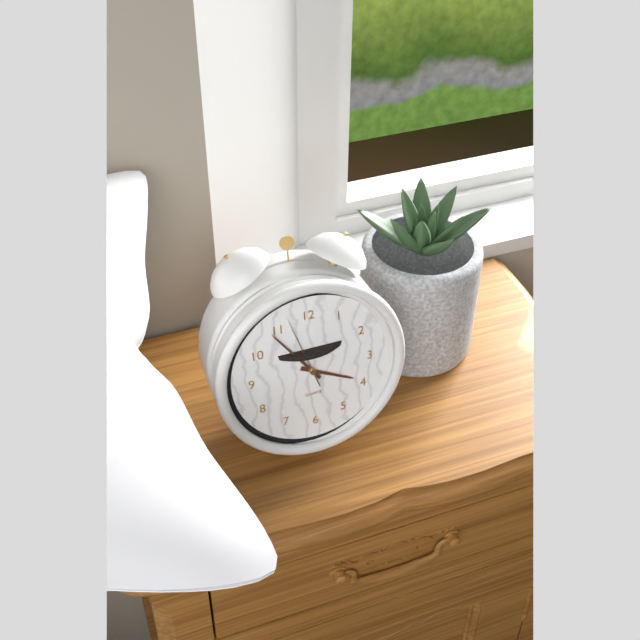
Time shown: {"hour": 3, "minute": 54, "second": 57}
